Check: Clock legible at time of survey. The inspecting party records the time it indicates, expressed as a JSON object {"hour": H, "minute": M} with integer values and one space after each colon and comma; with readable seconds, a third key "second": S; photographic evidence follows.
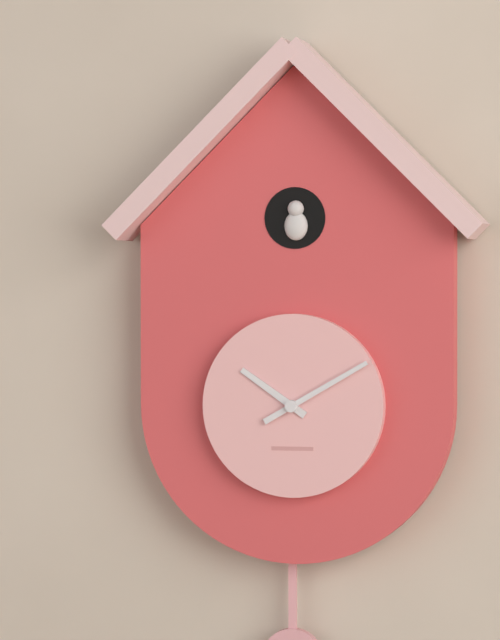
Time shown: {"hour": 10, "minute": 10}
